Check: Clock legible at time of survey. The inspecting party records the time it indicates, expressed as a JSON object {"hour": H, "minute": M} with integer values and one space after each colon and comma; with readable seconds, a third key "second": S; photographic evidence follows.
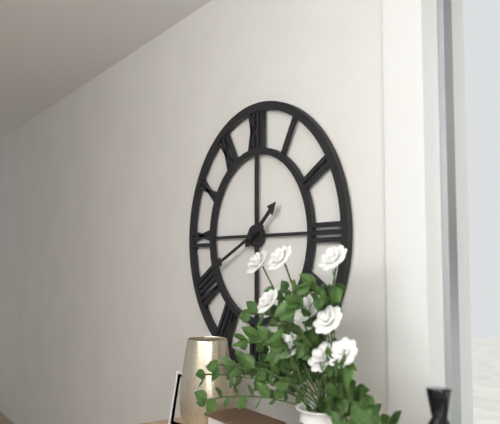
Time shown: {"hour": 1, "minute": 41}
